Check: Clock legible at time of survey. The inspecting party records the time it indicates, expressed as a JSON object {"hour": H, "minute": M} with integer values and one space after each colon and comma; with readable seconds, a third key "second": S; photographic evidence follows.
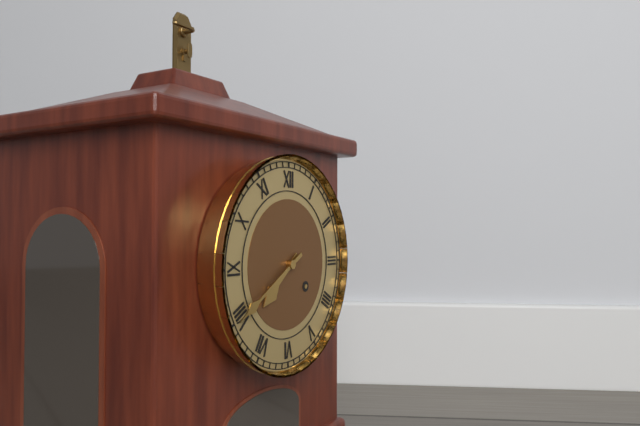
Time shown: {"hour": 7, "minute": 40}
